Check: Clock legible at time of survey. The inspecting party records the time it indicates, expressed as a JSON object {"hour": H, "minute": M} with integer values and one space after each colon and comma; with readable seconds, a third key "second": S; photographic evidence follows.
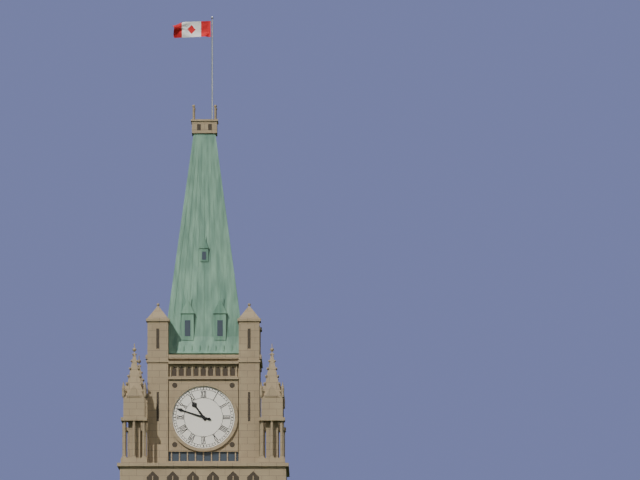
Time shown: {"hour": 10, "minute": 48}
